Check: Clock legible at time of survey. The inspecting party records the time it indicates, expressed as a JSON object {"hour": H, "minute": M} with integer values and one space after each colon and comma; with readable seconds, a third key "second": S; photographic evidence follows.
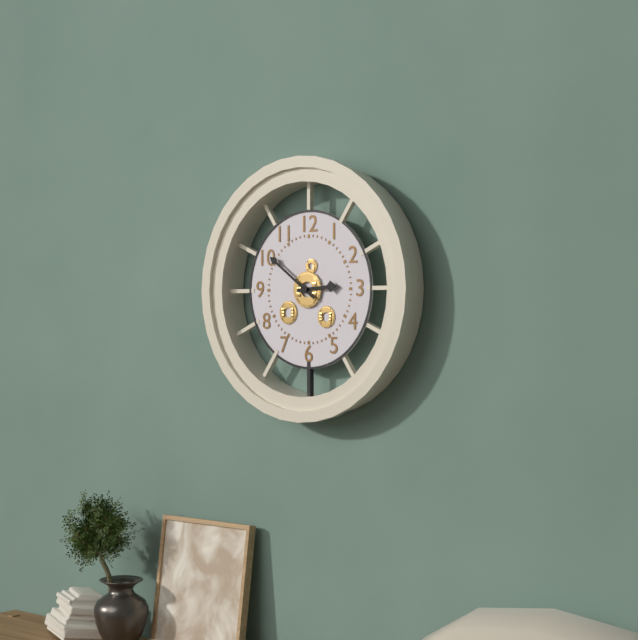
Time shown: {"hour": 2, "minute": 51}
